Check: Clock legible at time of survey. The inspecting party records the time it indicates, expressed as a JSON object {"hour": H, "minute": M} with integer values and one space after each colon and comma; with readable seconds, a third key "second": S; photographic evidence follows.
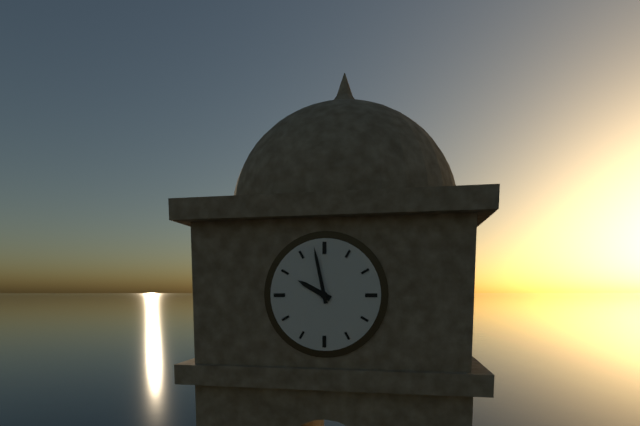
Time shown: {"hour": 9, "minute": 58}
